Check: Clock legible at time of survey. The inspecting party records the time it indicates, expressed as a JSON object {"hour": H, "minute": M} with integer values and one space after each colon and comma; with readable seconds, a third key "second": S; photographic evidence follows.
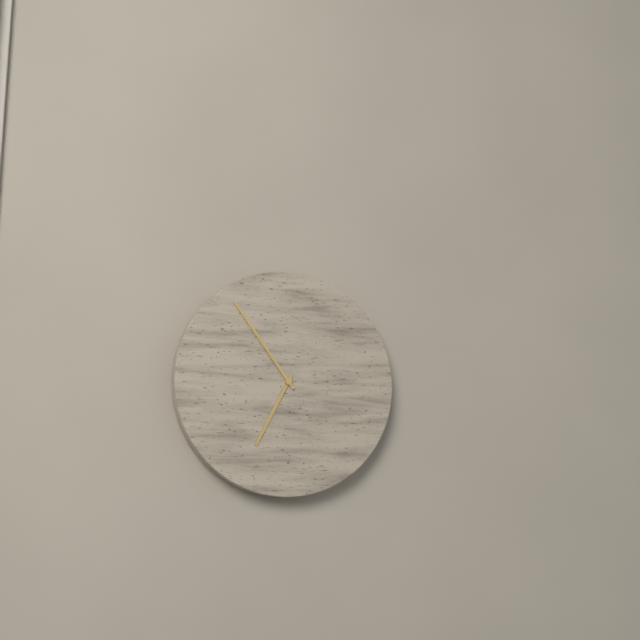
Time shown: {"hour": 6, "minute": 54}
